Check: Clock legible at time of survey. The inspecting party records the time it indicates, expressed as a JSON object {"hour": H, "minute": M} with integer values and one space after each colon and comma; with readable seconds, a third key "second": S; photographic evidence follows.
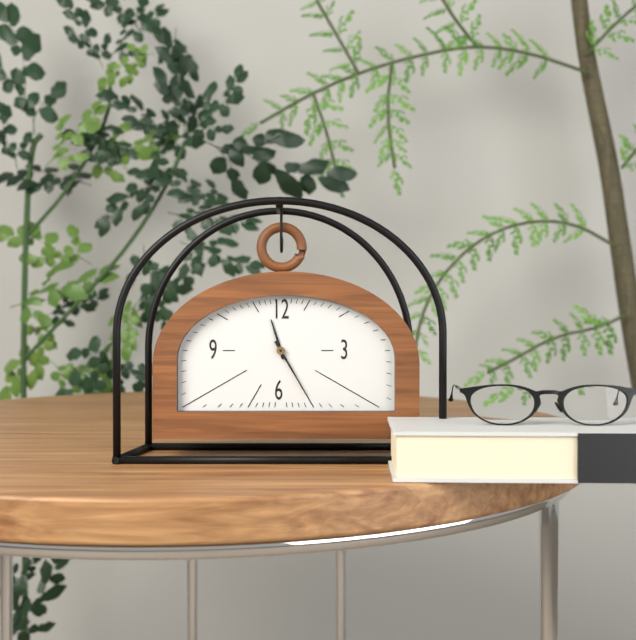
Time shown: {"hour": 11, "minute": 25}
